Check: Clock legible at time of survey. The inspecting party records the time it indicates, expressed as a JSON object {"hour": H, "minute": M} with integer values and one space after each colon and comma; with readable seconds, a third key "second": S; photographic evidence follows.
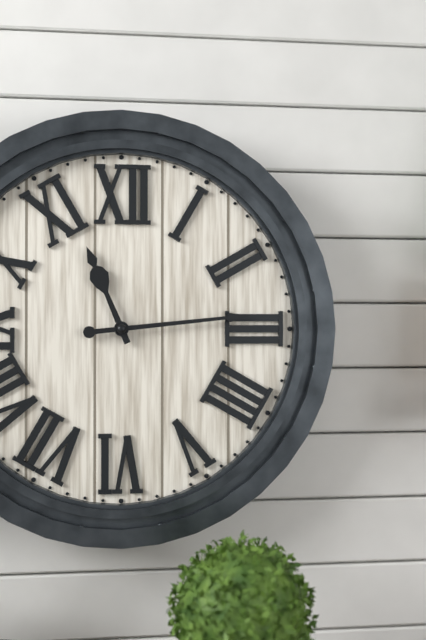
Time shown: {"hour": 11, "minute": 14}
